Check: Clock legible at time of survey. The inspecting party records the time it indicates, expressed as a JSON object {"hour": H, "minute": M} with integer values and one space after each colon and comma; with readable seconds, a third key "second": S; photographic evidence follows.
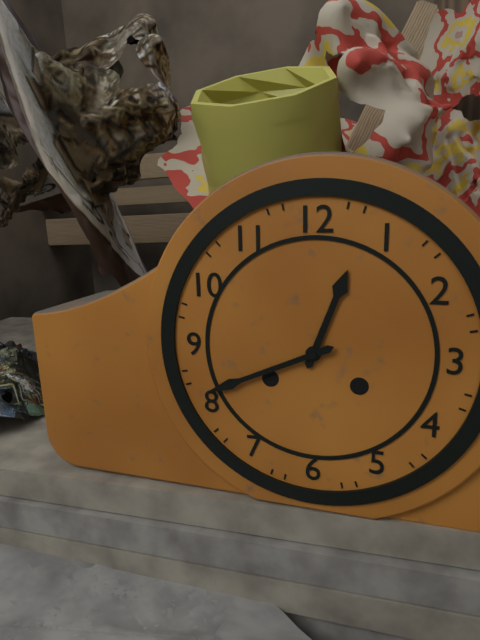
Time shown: {"hour": 12, "minute": 41}
